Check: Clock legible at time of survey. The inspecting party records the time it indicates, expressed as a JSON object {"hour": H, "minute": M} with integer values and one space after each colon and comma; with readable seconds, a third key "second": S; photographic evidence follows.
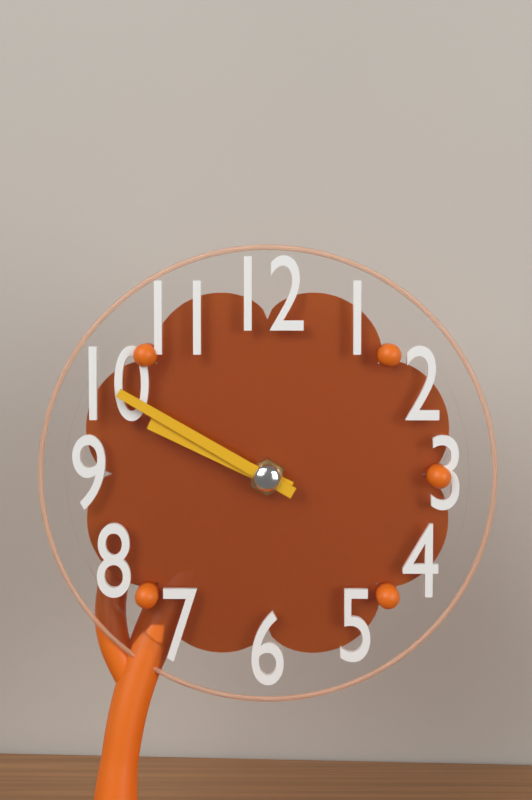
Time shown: {"hour": 9, "minute": 50}
